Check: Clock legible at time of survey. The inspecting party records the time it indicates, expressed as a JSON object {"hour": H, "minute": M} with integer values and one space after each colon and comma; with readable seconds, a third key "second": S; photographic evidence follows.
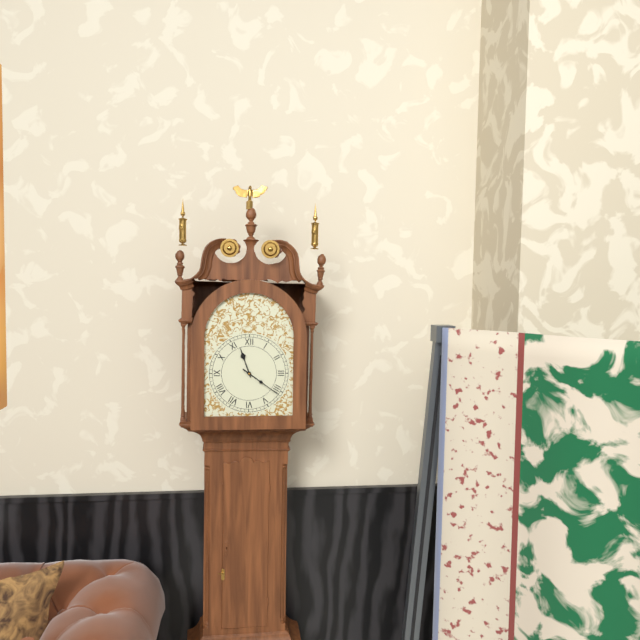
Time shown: {"hour": 11, "minute": 21}
